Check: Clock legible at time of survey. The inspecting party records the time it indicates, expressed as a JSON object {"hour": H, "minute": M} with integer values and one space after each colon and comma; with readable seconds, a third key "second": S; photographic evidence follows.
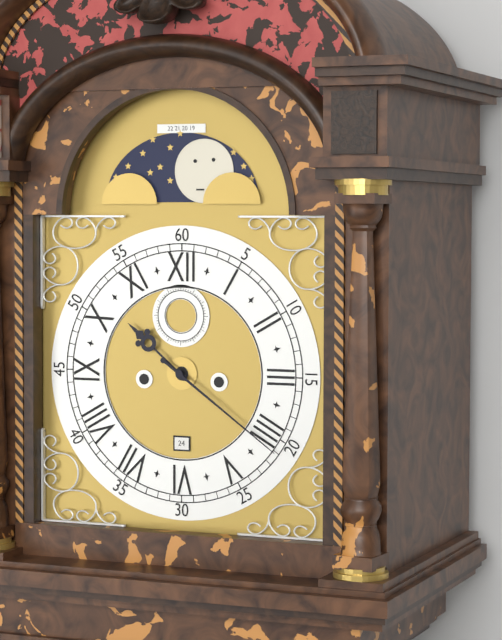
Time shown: {"hour": 10, "minute": 21}
